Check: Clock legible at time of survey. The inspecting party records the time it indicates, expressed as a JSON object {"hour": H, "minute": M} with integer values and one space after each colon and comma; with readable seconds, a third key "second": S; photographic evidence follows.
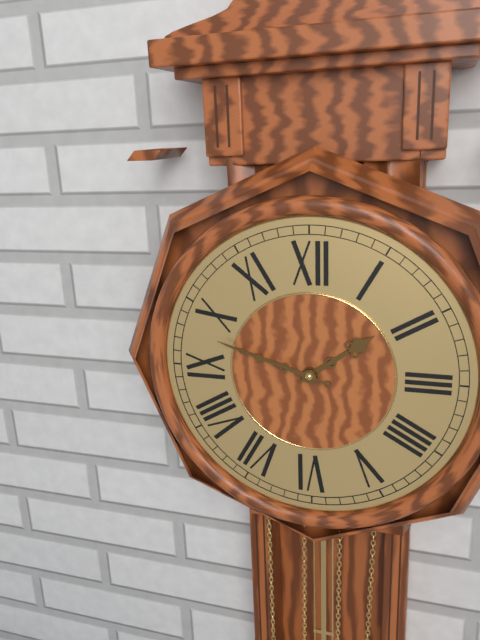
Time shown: {"hour": 1, "minute": 48}
